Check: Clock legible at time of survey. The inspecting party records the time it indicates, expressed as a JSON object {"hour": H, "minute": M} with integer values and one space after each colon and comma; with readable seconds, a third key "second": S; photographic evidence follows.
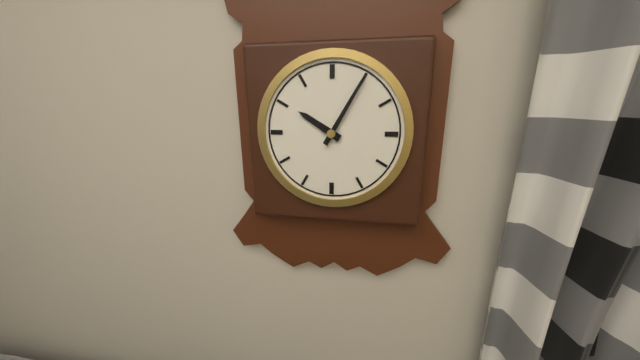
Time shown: {"hour": 10, "minute": 5}
